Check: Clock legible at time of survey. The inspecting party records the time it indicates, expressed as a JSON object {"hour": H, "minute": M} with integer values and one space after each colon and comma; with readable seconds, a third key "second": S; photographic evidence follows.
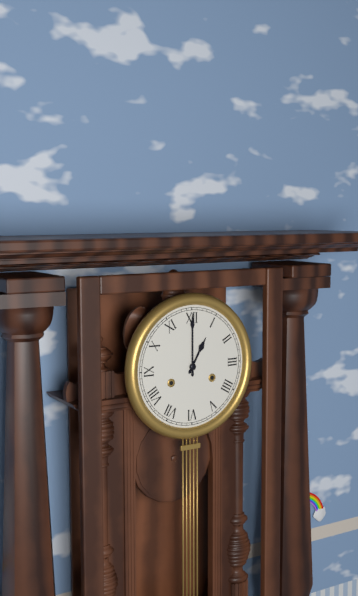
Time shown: {"hour": 1, "minute": 0}
